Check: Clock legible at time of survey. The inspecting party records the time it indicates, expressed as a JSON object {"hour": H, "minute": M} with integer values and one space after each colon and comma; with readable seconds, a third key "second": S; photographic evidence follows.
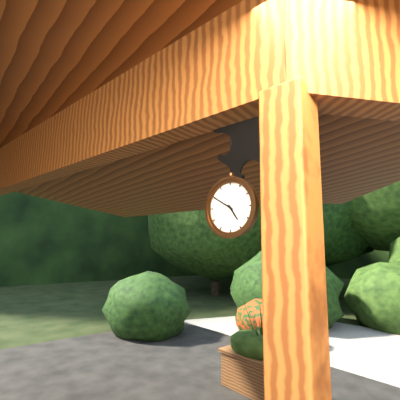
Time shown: {"hour": 4, "minute": 50}
